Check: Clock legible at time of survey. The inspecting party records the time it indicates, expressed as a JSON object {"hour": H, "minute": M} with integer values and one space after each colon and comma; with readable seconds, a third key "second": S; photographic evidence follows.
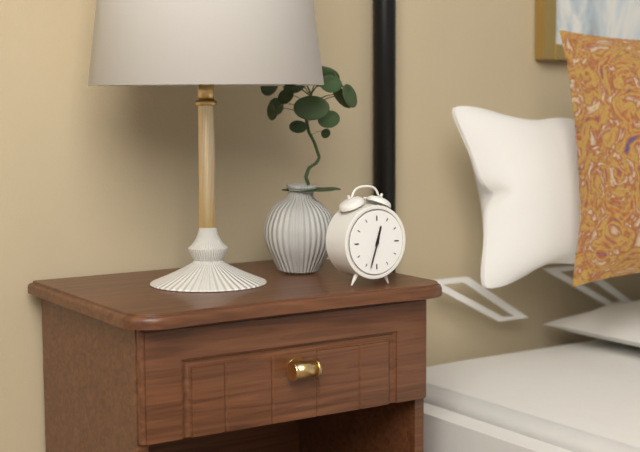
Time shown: {"hour": 12, "minute": 33}
